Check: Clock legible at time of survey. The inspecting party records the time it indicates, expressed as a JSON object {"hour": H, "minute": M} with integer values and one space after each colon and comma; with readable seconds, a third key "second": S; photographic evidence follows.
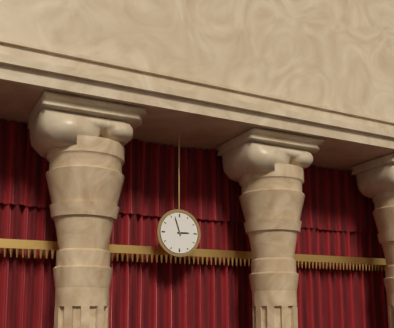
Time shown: {"hour": 2, "minute": 57}
